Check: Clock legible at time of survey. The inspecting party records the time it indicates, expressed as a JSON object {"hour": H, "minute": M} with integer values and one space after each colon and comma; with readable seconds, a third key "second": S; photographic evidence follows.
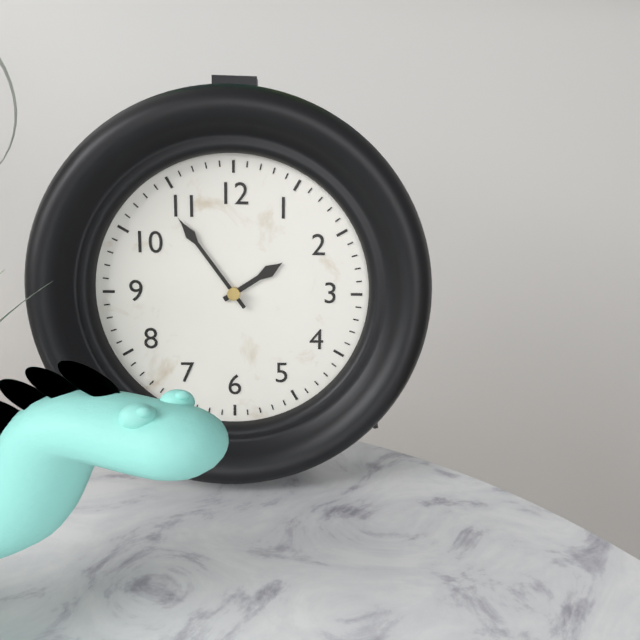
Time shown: {"hour": 1, "minute": 54}
